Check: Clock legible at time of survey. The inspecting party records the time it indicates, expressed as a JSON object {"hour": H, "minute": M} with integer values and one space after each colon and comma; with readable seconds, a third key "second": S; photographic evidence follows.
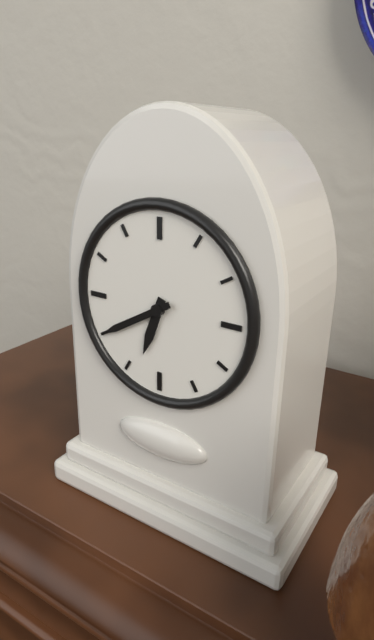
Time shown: {"hour": 6, "minute": 40}
